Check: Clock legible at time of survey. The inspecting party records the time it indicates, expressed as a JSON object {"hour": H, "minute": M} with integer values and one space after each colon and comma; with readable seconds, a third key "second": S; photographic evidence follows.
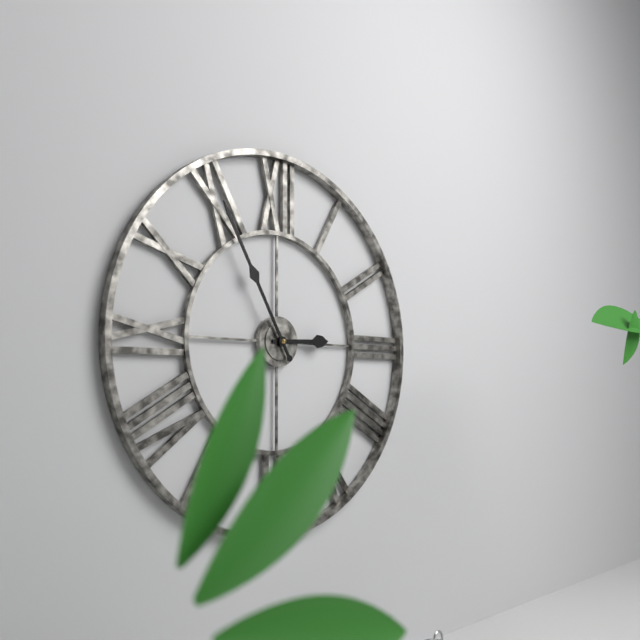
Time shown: {"hour": 2, "minute": 55}
